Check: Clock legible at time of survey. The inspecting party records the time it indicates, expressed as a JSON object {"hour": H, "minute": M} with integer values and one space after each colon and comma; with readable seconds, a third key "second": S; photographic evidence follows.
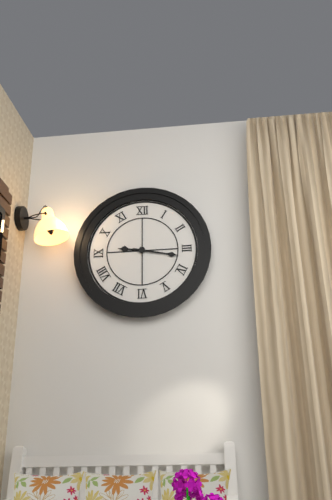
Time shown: {"hour": 9, "minute": 17}
